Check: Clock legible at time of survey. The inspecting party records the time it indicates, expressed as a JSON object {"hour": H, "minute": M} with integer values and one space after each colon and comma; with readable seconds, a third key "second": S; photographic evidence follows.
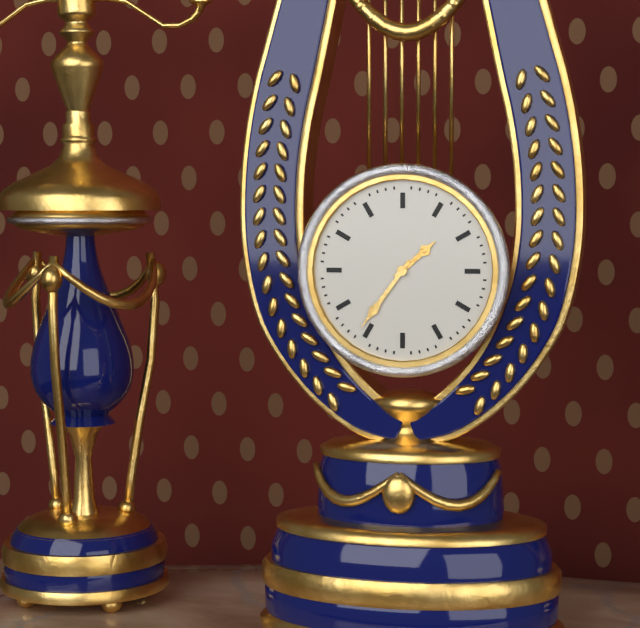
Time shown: {"hour": 1, "minute": 36}
